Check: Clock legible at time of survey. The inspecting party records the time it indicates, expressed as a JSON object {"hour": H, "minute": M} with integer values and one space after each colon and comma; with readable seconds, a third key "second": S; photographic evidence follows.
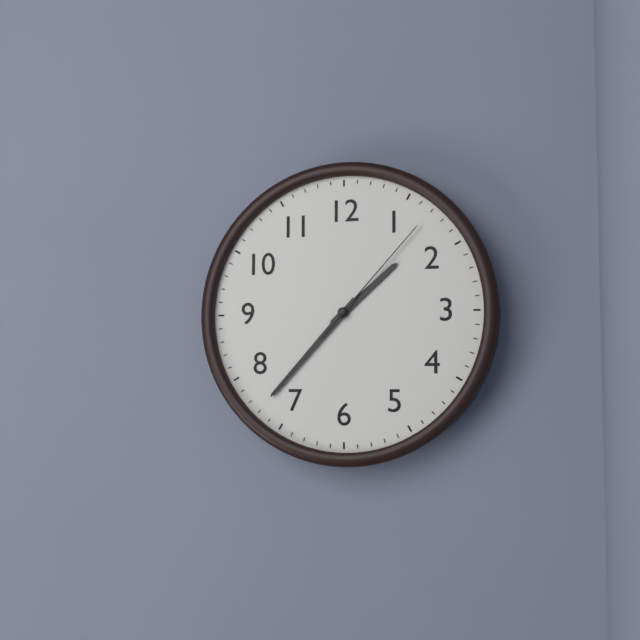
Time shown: {"hour": 1, "minute": 37, "second": 7}
